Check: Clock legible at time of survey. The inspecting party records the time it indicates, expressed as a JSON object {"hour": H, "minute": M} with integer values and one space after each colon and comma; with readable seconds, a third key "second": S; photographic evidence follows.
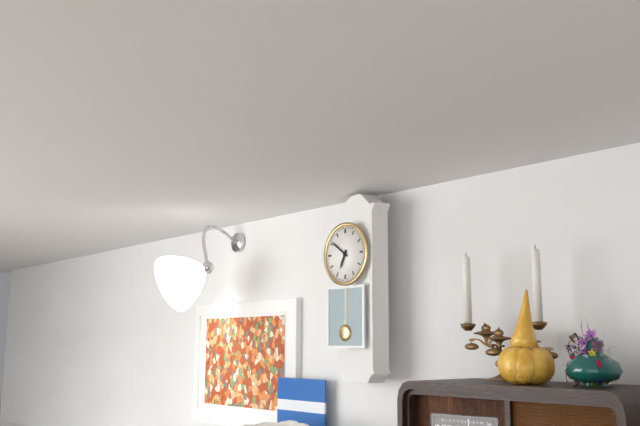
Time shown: {"hour": 6, "minute": 51}
